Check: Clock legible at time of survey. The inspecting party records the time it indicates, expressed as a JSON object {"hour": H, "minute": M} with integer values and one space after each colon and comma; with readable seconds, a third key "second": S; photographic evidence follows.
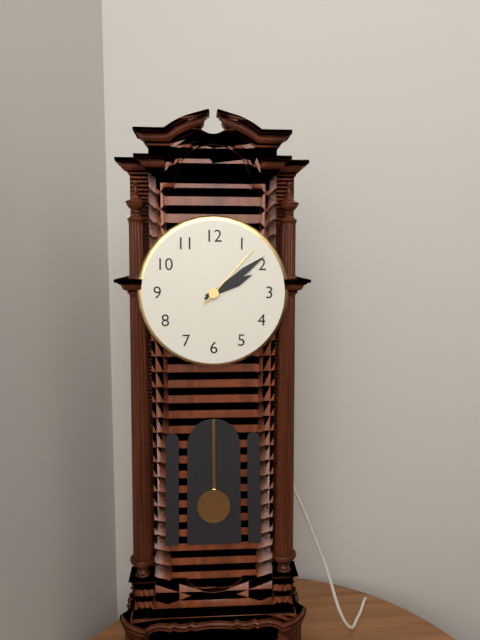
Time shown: {"hour": 2, "minute": 9, "second": 7}
